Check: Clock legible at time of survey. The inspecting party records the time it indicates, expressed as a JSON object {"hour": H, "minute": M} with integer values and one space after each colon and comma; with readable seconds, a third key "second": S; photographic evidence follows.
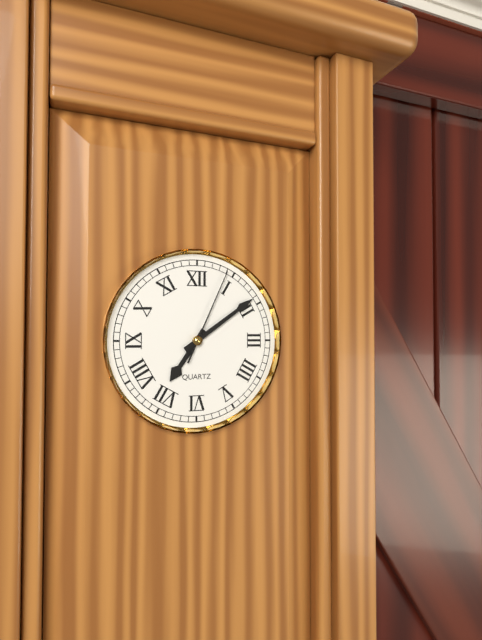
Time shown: {"hour": 7, "minute": 9, "second": 4}
